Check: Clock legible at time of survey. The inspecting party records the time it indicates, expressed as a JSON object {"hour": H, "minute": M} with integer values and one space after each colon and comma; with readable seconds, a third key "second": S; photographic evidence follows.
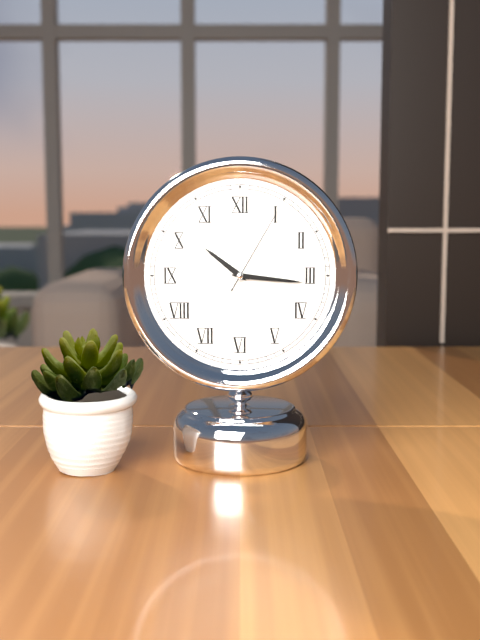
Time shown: {"hour": 10, "minute": 16, "second": 5}
